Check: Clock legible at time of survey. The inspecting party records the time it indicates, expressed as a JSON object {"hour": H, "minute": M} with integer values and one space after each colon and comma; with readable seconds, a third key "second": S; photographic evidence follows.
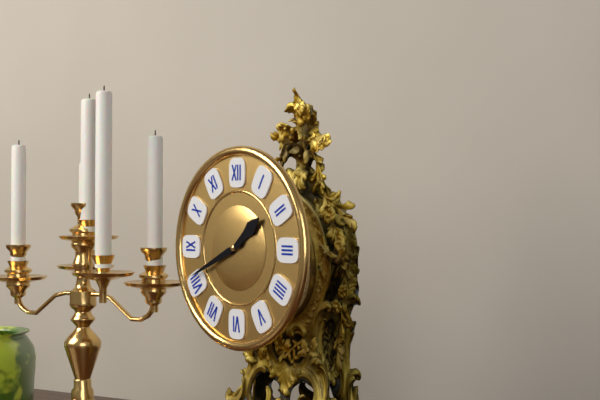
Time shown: {"hour": 1, "minute": 41}
